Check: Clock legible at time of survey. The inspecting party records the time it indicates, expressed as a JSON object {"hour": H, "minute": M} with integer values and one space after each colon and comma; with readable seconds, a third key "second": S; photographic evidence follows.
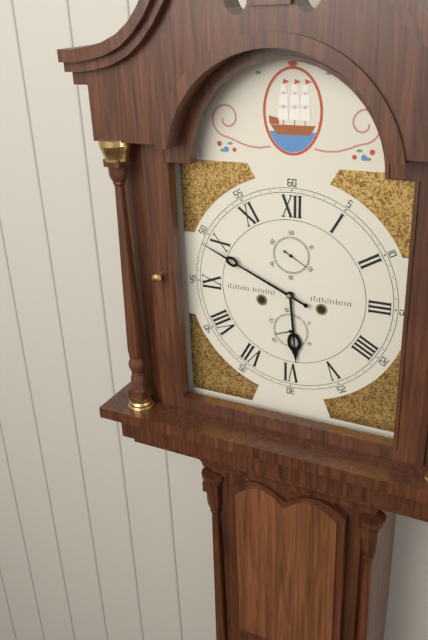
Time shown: {"hour": 5, "minute": 49}
